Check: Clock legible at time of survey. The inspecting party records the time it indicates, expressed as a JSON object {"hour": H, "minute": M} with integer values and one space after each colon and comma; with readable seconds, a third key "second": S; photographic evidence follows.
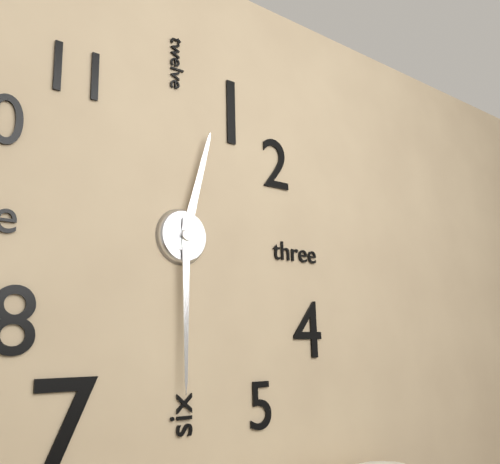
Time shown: {"hour": 12, "minute": 30}
